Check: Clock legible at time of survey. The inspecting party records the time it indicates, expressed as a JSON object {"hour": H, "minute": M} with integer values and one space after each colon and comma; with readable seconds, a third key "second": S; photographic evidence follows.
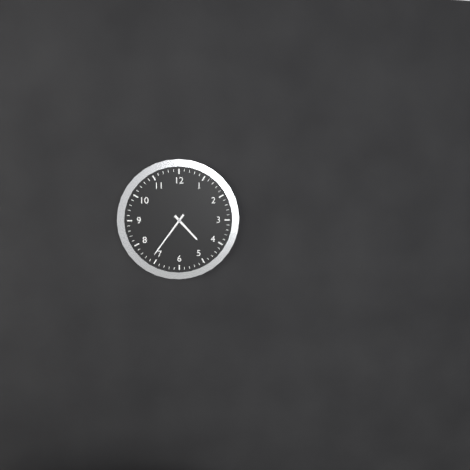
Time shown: {"hour": 4, "minute": 36}
